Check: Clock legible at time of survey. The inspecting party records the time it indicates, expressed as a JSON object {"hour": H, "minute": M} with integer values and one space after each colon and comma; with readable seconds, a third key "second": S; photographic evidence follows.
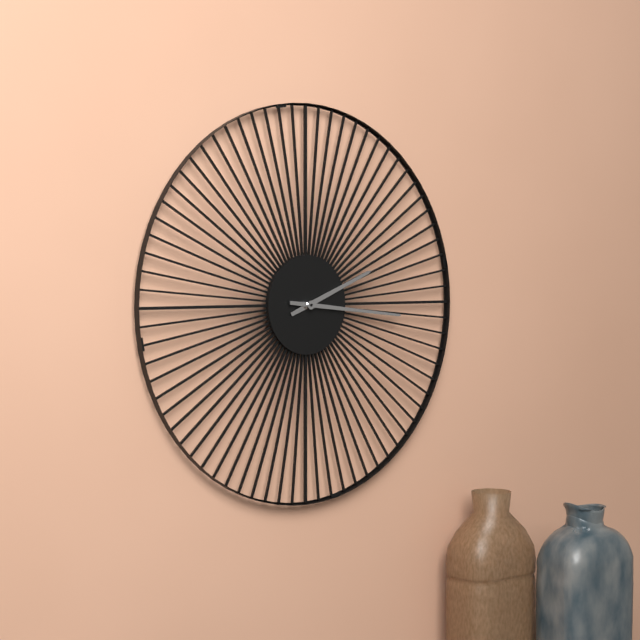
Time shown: {"hour": 2, "minute": 16}
